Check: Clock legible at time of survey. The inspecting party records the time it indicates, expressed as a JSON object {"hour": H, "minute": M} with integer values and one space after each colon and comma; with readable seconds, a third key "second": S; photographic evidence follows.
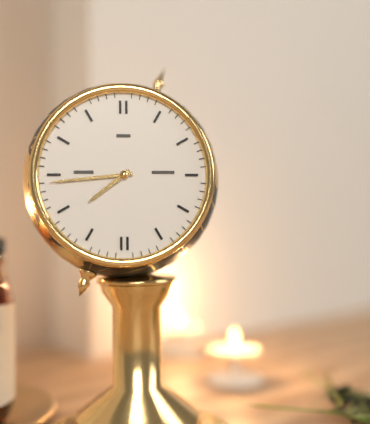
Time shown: {"hour": 7, "minute": 44}
